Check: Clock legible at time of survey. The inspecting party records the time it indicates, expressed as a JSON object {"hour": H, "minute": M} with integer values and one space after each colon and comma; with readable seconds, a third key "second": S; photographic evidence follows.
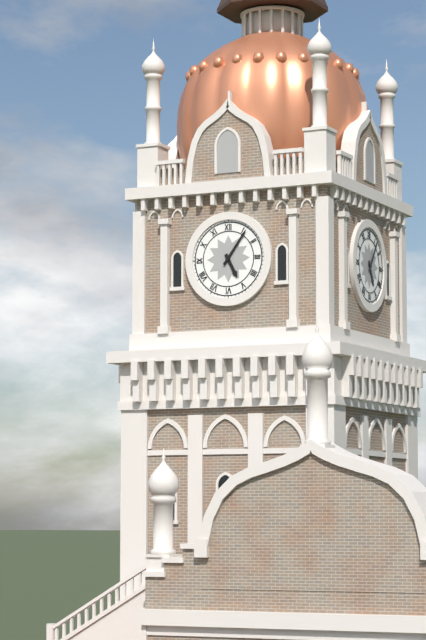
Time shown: {"hour": 5, "minute": 6}
